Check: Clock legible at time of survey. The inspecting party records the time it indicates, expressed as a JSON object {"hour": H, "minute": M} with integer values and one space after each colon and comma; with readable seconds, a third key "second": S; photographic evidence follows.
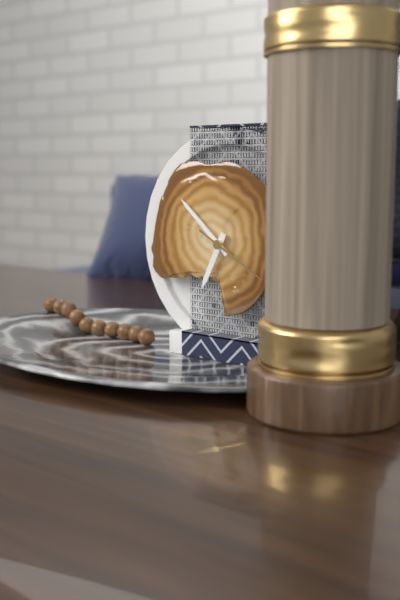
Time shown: {"hour": 6, "minute": 52, "second": 20}
